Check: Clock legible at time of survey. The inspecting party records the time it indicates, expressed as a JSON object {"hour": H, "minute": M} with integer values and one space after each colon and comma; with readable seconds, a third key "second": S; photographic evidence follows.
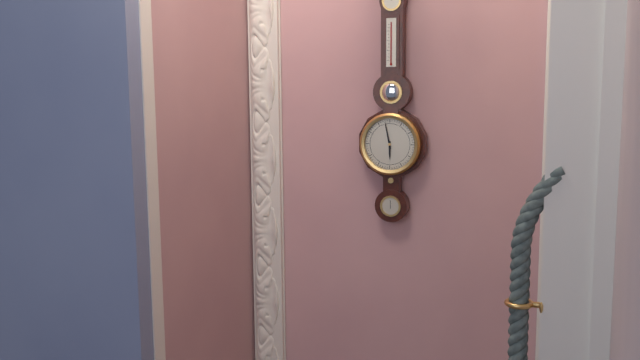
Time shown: {"hour": 5, "minute": 58}
